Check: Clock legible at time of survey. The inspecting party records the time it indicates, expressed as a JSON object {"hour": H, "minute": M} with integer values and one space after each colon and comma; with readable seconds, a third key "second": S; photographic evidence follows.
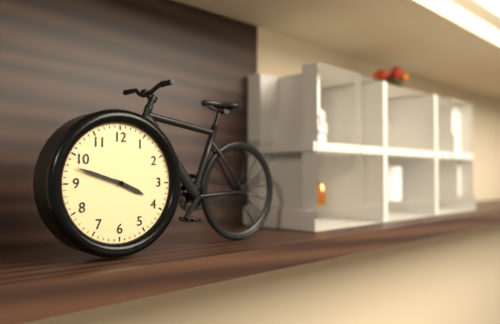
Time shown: {"hour": 3, "minute": 48}
